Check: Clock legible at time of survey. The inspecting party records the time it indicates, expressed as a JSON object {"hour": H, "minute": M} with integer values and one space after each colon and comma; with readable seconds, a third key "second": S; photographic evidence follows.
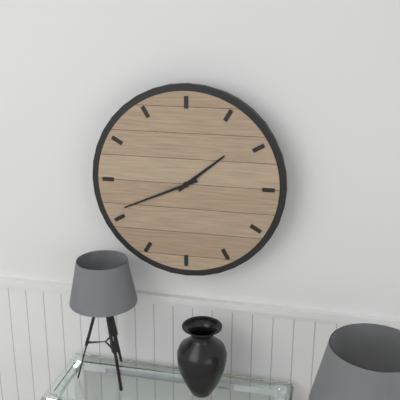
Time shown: {"hour": 1, "minute": 41}
